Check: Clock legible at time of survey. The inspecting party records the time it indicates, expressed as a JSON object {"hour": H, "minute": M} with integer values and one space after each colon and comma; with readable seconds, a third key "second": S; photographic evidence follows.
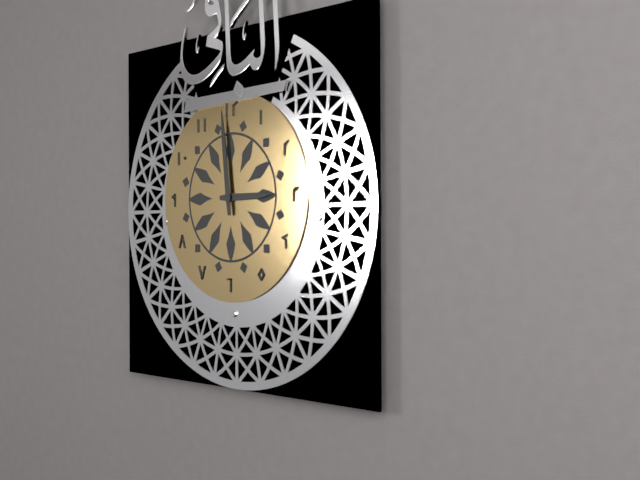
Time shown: {"hour": 2, "minute": 59}
